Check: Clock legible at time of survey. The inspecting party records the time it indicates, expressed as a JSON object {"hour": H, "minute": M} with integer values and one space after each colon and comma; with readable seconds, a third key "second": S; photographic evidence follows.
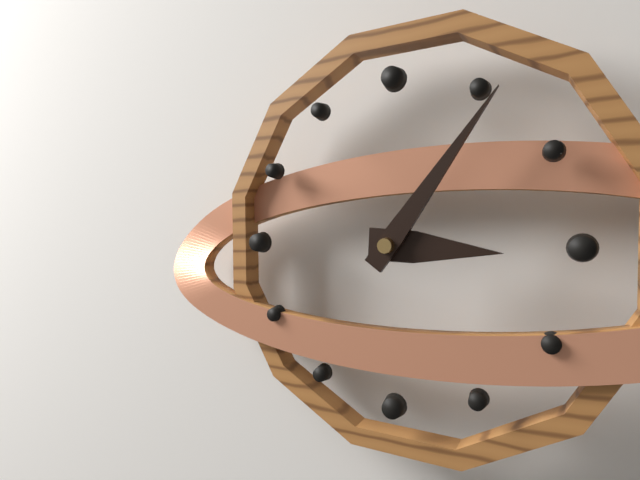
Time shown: {"hour": 3, "minute": 6}
